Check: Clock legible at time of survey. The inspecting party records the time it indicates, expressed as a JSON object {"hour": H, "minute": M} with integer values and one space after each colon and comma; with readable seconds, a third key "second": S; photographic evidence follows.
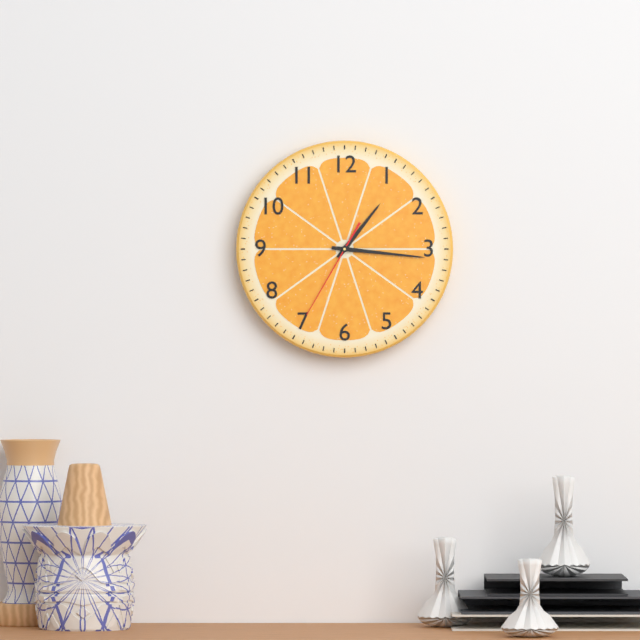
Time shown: {"hour": 1, "minute": 16, "second": 35}
